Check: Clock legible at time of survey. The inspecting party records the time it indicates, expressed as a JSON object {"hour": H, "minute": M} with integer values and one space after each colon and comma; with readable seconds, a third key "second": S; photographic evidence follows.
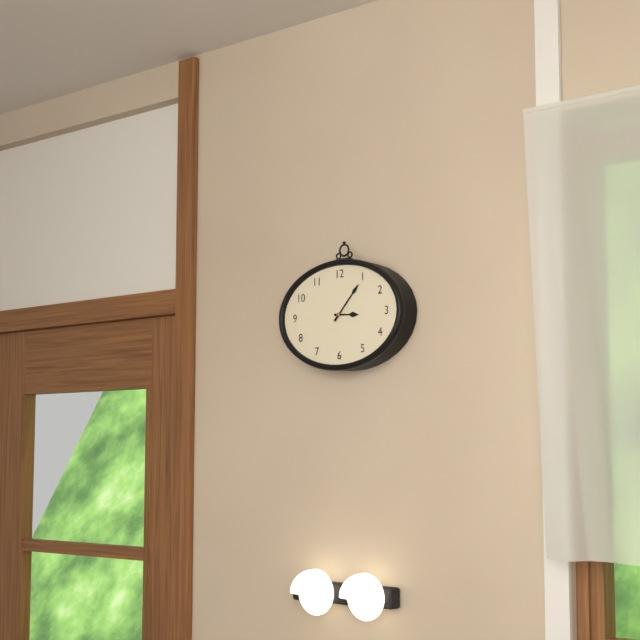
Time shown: {"hour": 3, "minute": 7}
